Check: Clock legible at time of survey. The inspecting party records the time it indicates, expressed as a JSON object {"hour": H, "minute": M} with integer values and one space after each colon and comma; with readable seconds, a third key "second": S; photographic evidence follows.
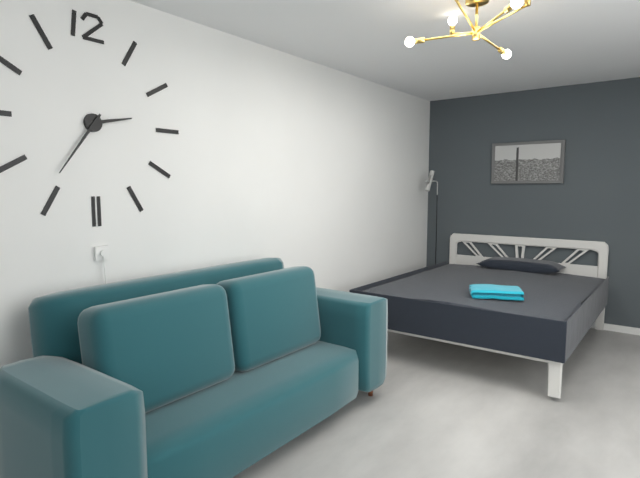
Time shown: {"hour": 2, "minute": 36}
